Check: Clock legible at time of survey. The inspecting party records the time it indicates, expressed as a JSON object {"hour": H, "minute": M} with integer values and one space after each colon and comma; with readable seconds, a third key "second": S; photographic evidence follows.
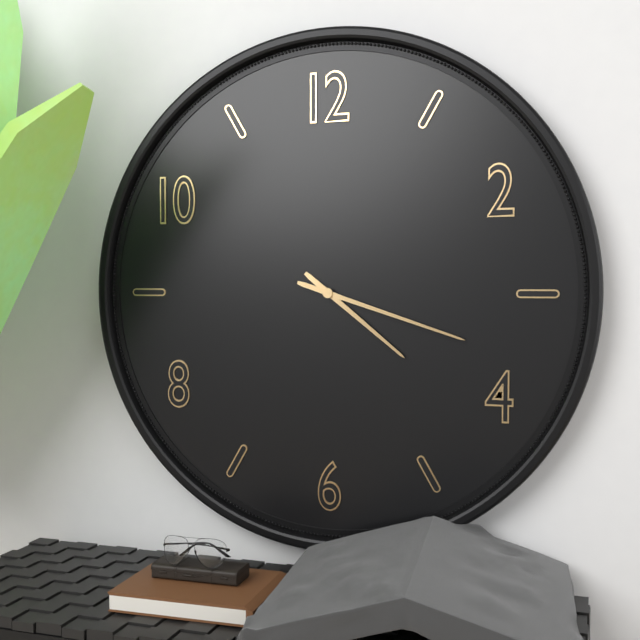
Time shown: {"hour": 4, "minute": 18}
